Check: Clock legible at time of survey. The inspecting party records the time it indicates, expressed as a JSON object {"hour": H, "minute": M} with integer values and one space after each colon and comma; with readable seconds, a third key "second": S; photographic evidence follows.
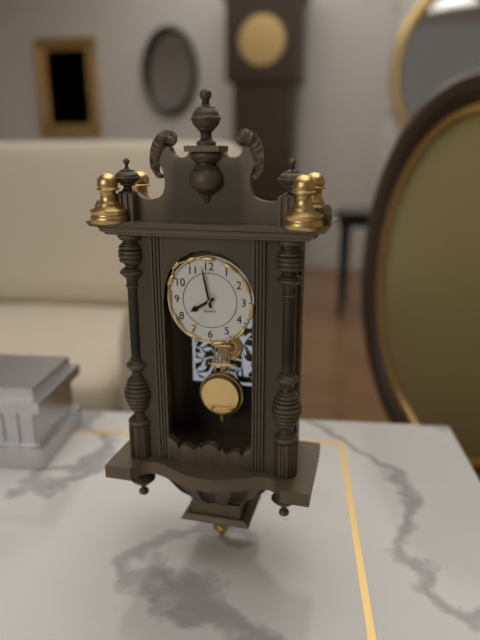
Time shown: {"hour": 7, "minute": 58}
